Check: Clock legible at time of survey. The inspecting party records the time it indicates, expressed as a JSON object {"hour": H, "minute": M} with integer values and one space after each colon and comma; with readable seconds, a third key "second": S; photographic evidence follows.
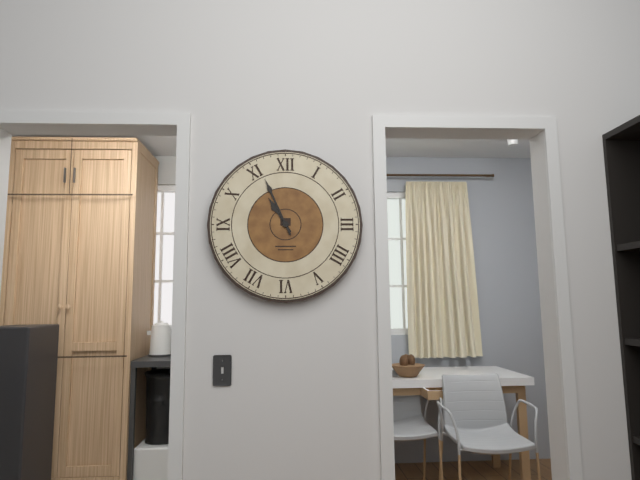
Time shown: {"hour": 10, "minute": 56}
